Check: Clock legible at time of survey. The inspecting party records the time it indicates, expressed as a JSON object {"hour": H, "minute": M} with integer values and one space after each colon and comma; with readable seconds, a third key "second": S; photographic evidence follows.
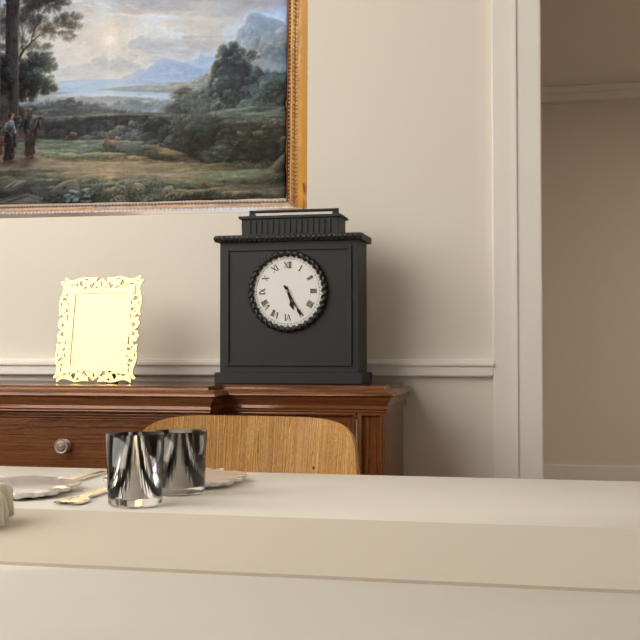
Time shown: {"hour": 5, "minute": 25}
